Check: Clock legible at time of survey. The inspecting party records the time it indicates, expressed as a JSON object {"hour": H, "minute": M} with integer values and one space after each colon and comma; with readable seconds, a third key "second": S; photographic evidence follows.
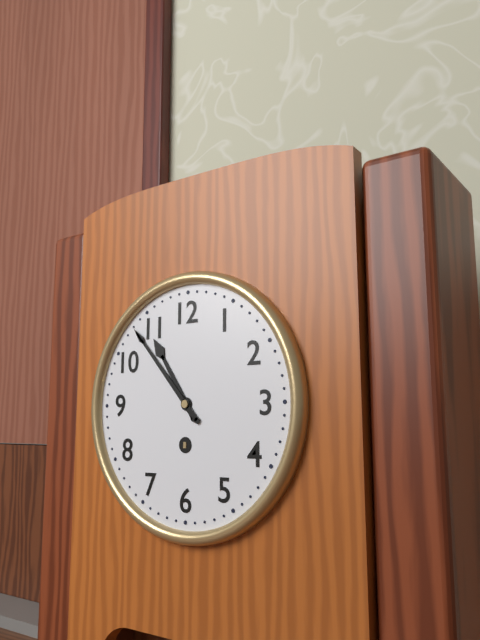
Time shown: {"hour": 10, "minute": 53}
